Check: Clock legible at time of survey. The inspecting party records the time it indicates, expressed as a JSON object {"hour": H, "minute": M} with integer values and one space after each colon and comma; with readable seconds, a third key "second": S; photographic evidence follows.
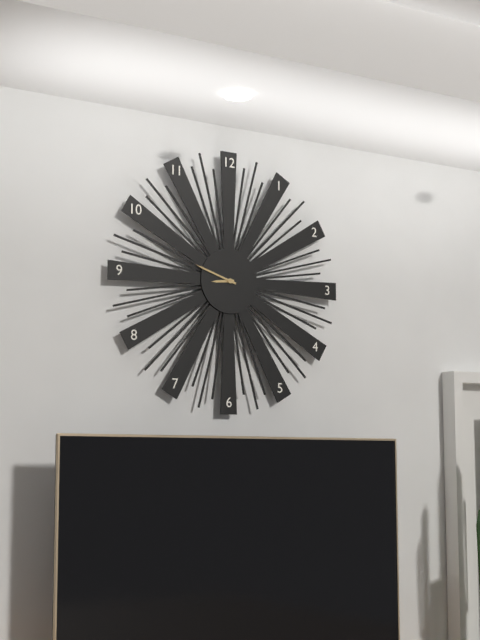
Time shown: {"hour": 8, "minute": 48}
